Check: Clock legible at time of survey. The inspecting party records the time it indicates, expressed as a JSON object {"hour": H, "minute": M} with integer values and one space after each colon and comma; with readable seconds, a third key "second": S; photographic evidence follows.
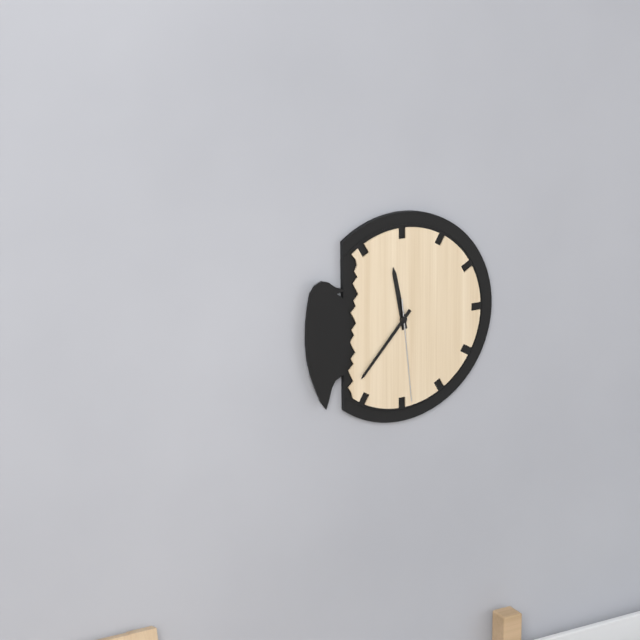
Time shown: {"hour": 11, "minute": 37, "second": 29}
